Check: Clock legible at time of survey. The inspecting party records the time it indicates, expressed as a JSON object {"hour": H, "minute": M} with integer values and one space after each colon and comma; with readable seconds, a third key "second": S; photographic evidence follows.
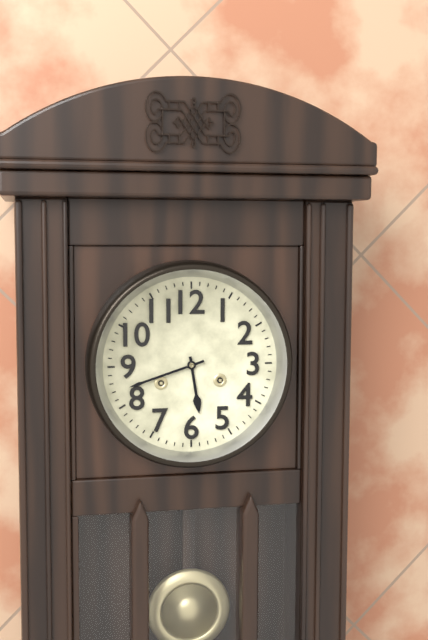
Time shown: {"hour": 5, "minute": 42}
